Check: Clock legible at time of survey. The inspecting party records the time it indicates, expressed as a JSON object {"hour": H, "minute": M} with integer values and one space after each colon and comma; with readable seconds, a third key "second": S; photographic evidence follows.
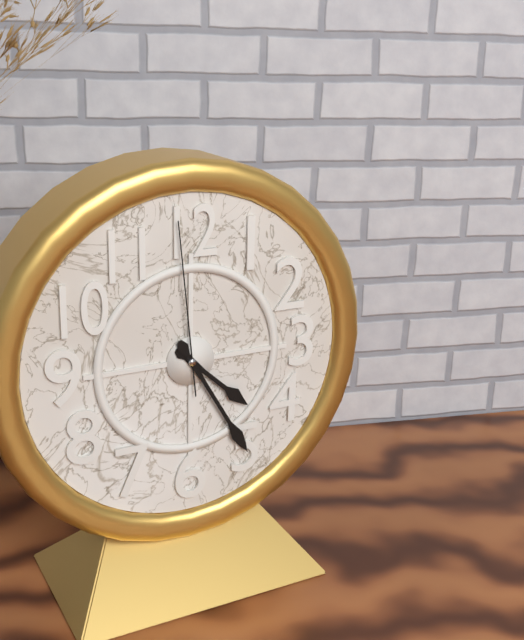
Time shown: {"hour": 4, "minute": 25, "second": 59}
